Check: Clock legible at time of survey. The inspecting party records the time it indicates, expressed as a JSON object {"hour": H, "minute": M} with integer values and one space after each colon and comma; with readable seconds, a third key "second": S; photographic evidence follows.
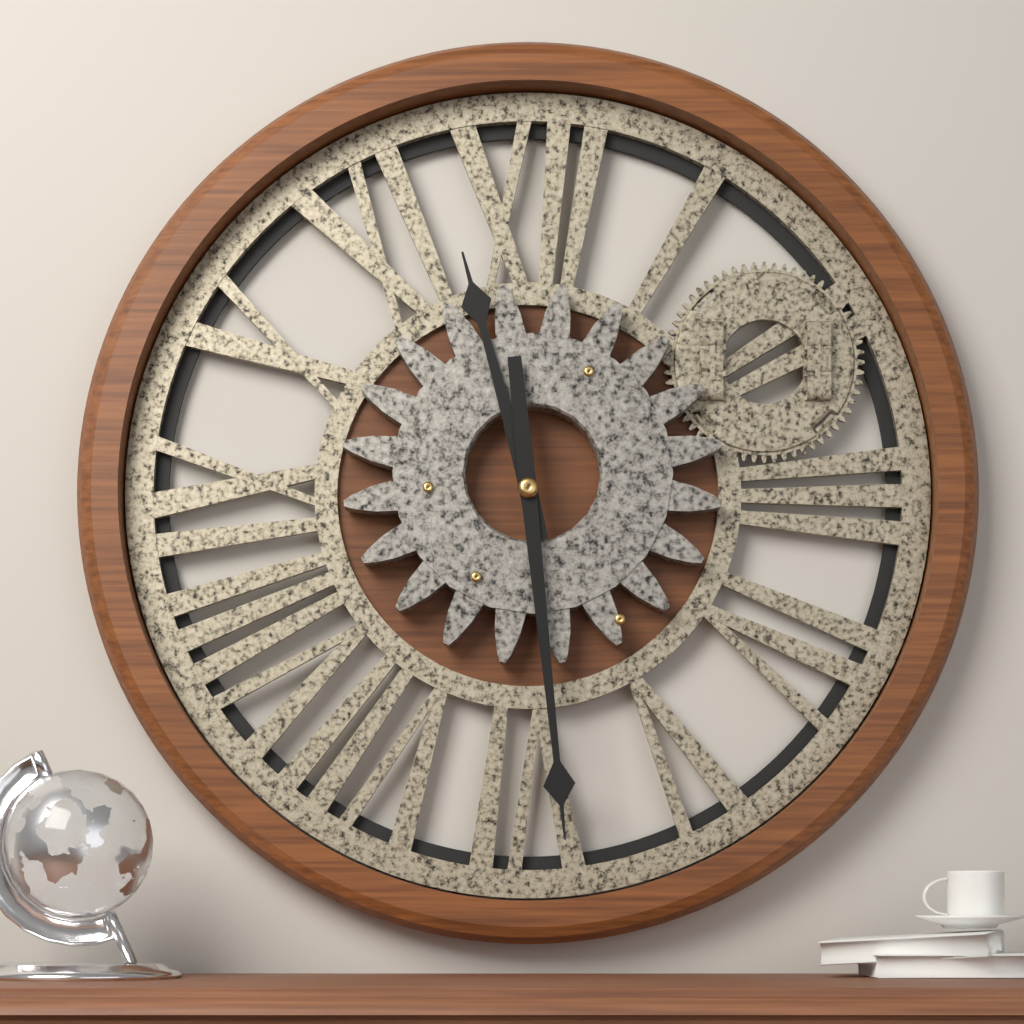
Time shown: {"hour": 11, "minute": 29}
